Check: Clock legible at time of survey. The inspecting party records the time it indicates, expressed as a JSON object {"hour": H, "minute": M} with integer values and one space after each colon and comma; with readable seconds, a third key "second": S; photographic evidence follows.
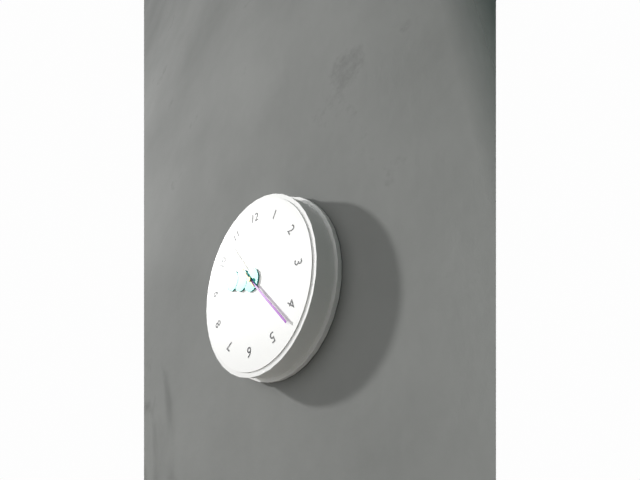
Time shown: {"hour": 9, "minute": 22, "second": 53}
